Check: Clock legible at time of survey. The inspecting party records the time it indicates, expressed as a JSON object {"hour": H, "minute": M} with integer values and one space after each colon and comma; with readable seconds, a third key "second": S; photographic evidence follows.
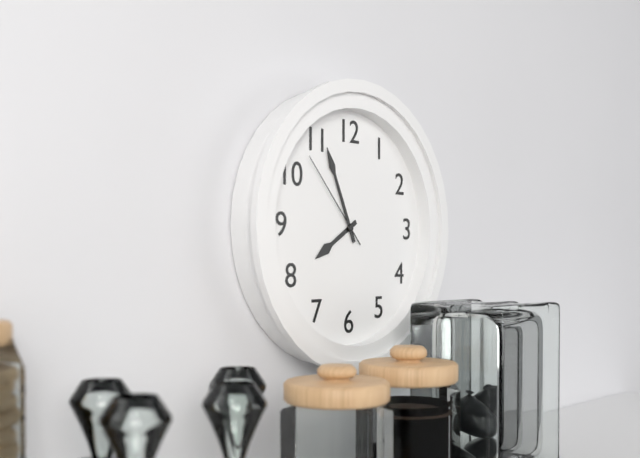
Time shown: {"hour": 7, "minute": 56, "second": 53}
